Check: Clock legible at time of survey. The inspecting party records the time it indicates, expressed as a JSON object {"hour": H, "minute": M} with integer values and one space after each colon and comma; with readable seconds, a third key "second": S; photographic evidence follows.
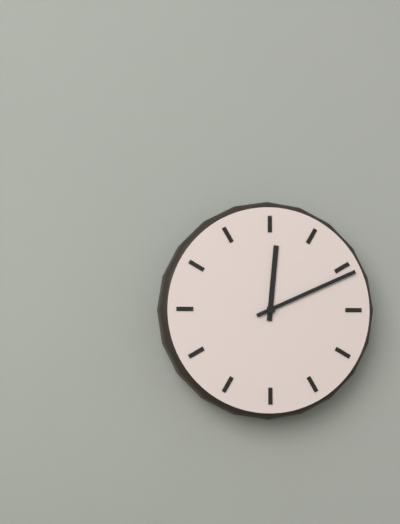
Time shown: {"hour": 12, "minute": 11}
